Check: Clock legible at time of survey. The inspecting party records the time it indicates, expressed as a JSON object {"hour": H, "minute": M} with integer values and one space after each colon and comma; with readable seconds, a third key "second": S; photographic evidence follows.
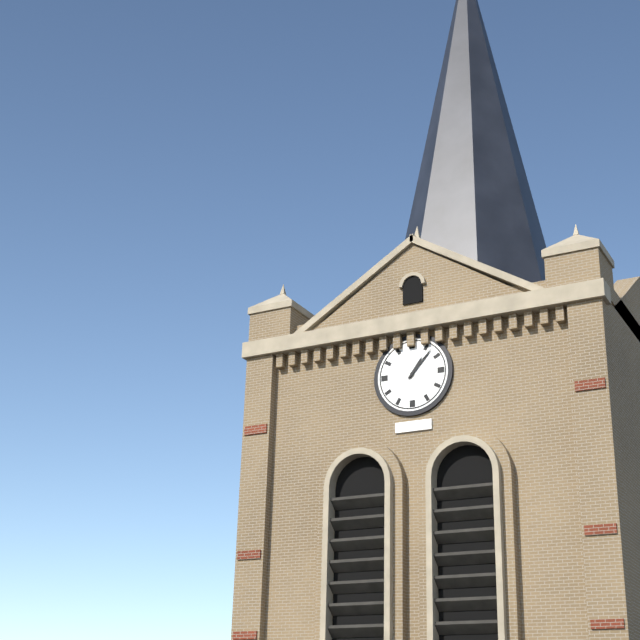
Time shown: {"hour": 1, "minute": 7}
